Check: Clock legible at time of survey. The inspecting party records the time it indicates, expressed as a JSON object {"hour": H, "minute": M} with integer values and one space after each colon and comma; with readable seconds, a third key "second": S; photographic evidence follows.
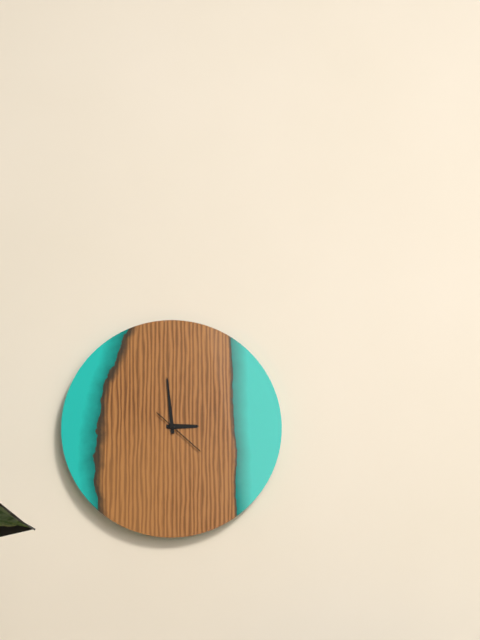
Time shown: {"hour": 2, "minute": 59}
